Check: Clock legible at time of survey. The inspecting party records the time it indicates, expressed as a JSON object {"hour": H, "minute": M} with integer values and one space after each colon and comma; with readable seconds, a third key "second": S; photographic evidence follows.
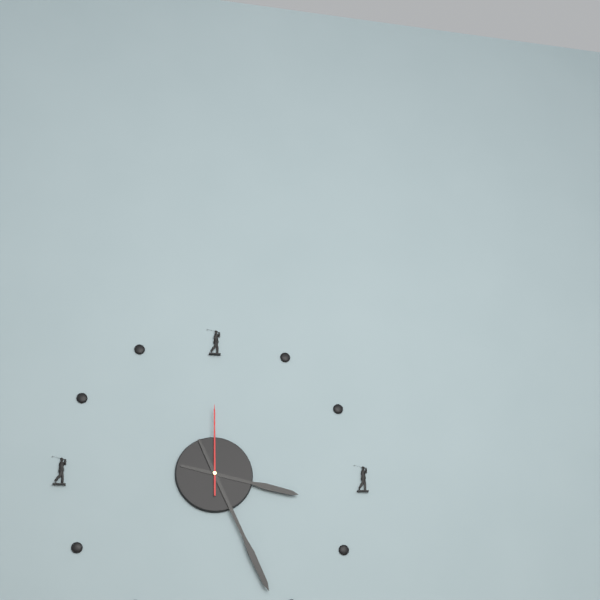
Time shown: {"hour": 3, "minute": 26, "second": 0}
